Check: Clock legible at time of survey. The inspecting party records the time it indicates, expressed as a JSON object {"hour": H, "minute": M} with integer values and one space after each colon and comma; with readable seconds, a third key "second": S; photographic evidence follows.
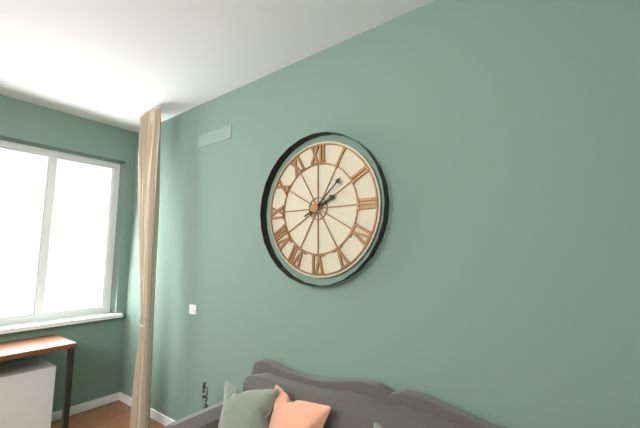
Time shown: {"hour": 2, "minute": 8}
